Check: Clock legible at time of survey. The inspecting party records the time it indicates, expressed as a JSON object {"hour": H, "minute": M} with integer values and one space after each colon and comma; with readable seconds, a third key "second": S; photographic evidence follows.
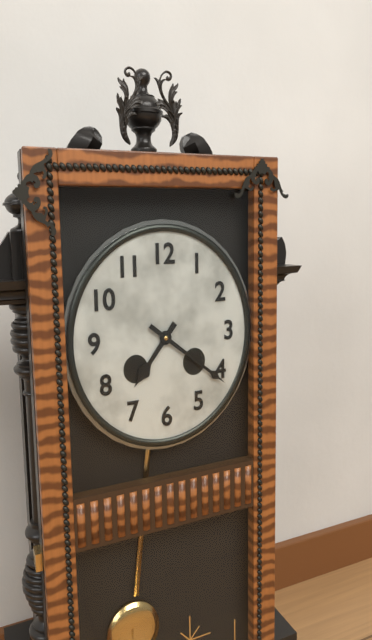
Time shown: {"hour": 7, "minute": 21}
